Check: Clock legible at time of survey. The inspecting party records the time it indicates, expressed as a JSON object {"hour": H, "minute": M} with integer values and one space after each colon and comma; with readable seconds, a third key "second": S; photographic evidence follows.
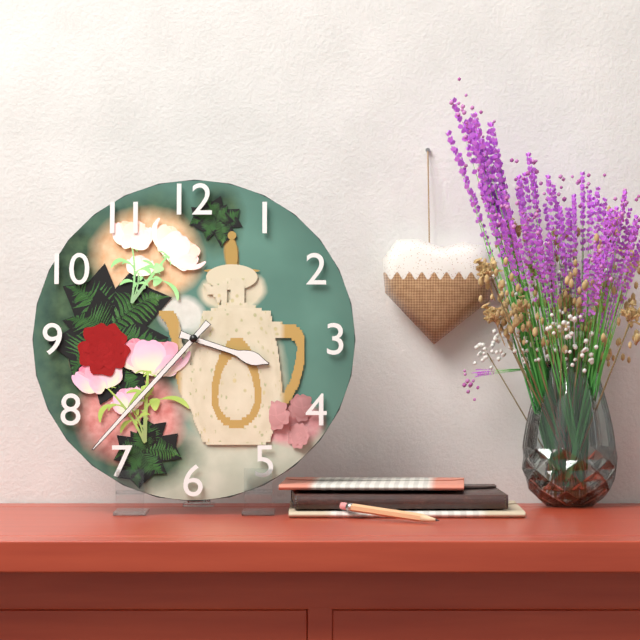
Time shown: {"hour": 3, "minute": 37}
